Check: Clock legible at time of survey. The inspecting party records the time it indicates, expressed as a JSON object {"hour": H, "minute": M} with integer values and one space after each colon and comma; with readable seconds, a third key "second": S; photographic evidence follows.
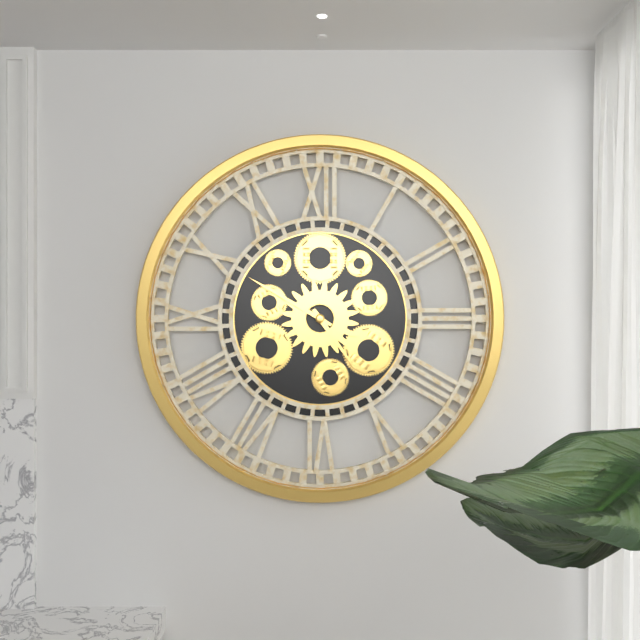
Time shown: {"hour": 4, "minute": 50}
